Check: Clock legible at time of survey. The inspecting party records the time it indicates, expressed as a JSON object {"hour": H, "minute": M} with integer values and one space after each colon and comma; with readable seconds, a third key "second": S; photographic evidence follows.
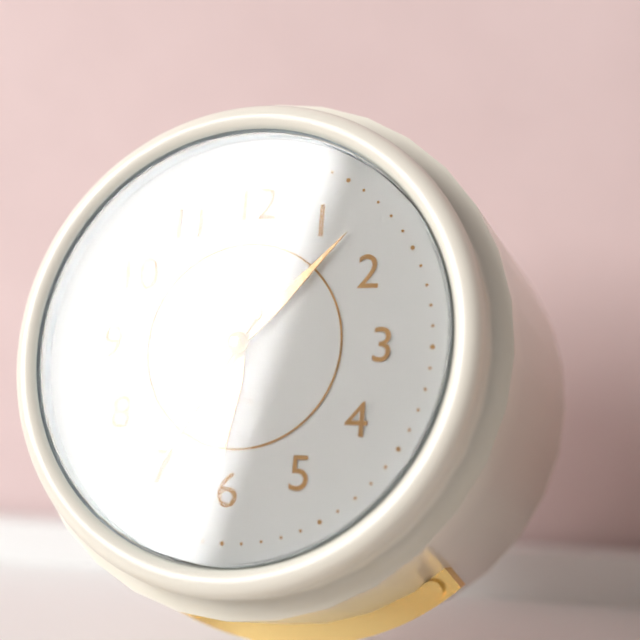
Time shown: {"hour": 6, "minute": 7, "second": 35}
